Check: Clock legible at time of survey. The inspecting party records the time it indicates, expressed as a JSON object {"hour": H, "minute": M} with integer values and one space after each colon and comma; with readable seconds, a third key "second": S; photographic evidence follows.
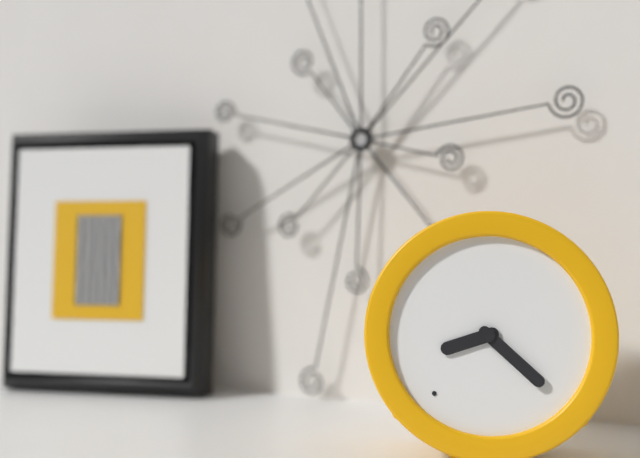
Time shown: {"hour": 8, "minute": 22}
